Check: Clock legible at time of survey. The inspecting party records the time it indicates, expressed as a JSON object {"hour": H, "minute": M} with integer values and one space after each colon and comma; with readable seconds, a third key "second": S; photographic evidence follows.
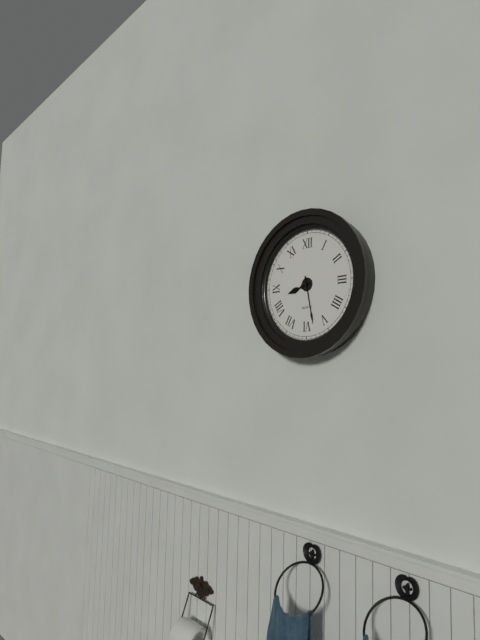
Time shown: {"hour": 8, "minute": 28}
